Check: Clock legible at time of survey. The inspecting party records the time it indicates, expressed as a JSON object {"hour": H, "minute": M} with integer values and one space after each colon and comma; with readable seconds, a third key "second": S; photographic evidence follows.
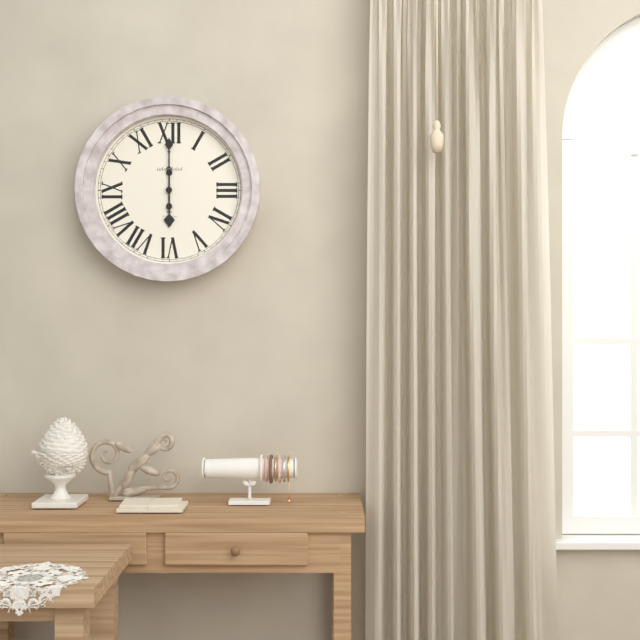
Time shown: {"hour": 6, "minute": 0}
